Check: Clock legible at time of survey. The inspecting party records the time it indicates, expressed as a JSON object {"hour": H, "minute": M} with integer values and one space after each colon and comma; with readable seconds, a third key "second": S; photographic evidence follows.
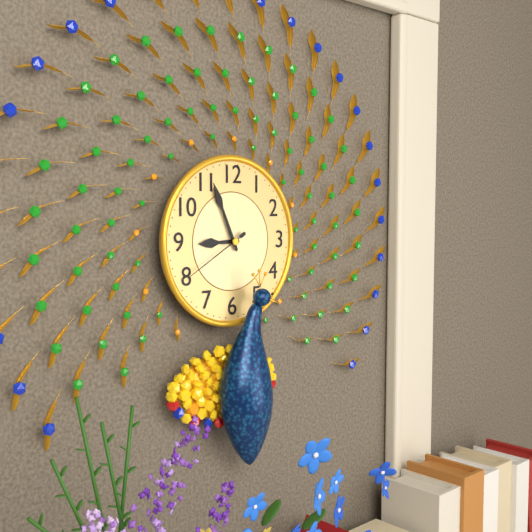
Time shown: {"hour": 8, "minute": 56, "second": 40}
